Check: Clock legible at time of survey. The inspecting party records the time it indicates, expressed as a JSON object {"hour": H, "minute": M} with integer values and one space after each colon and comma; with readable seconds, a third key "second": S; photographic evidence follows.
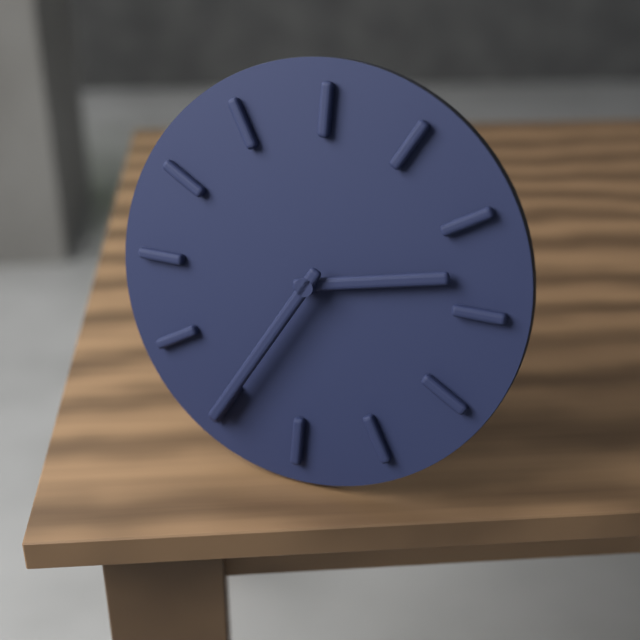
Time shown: {"hour": 2, "minute": 35}
